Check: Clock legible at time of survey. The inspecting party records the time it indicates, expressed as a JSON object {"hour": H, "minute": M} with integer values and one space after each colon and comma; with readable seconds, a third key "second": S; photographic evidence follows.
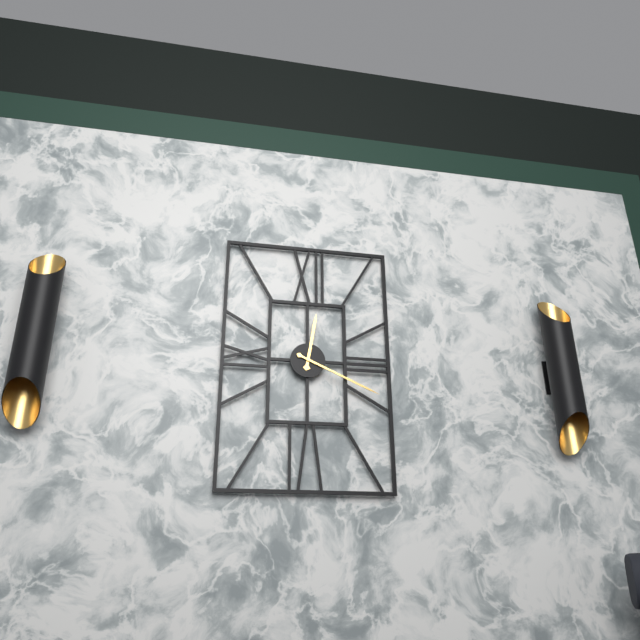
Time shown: {"hour": 12, "minute": 19}
